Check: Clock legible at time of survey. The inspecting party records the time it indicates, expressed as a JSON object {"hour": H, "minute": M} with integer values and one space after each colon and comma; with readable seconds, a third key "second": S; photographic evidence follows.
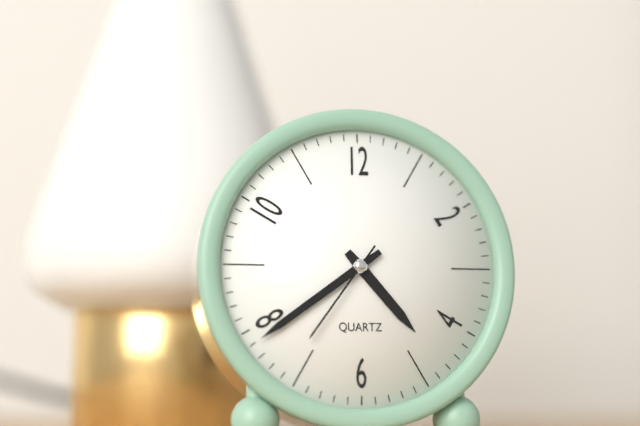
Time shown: {"hour": 4, "minute": 39, "second": 36}
